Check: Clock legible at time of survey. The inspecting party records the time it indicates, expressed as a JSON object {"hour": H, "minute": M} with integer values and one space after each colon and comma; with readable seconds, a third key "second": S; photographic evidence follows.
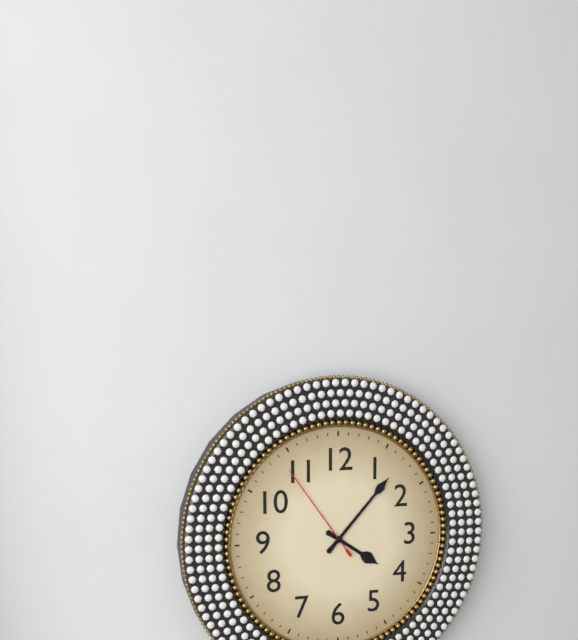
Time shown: {"hour": 4, "minute": 7, "second": 54}
